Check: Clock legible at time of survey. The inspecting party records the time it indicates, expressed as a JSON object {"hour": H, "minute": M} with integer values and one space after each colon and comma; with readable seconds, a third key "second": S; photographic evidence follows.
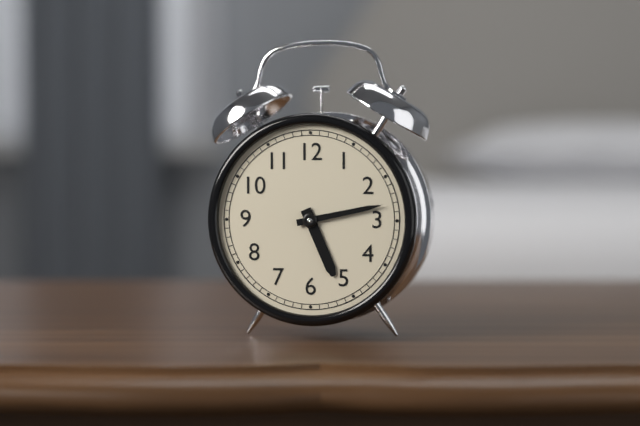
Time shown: {"hour": 5, "minute": 13}
